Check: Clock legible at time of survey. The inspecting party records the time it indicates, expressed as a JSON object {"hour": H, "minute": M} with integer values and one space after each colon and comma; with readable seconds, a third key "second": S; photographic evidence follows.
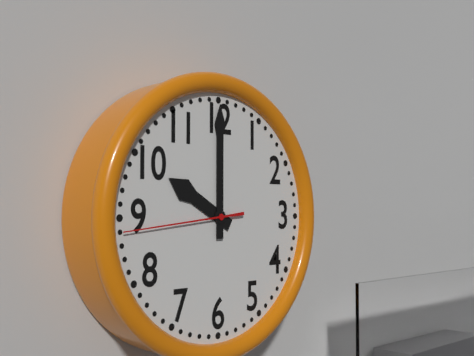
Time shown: {"hour": 10, "minute": 0, "second": 44}
